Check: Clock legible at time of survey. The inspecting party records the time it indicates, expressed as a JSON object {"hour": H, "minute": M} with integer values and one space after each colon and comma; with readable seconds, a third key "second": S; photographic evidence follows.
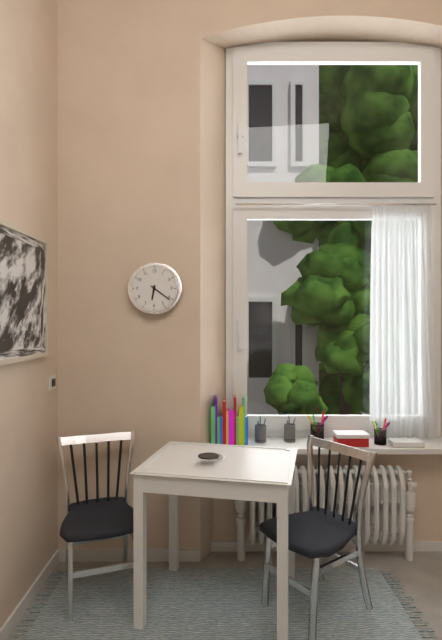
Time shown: {"hour": 6, "minute": 21}
